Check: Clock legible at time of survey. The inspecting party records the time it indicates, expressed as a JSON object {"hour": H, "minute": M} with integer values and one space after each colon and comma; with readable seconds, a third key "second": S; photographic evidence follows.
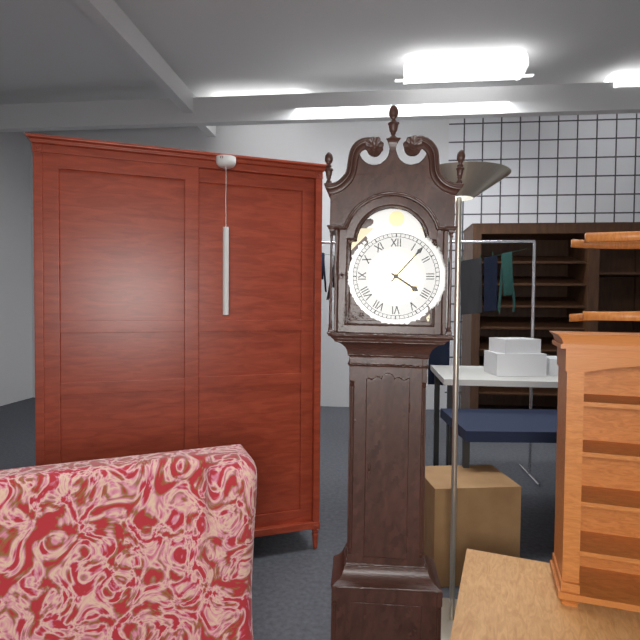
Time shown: {"hour": 4, "minute": 7}
